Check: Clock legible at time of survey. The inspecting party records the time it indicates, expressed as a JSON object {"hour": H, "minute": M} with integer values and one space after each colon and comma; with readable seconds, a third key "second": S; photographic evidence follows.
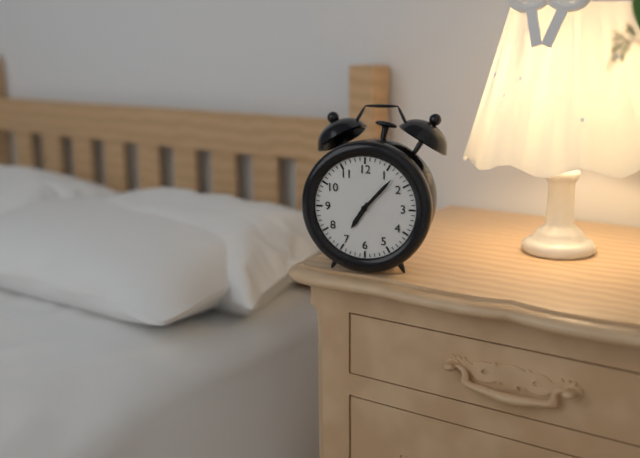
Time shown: {"hour": 7, "minute": 7}
